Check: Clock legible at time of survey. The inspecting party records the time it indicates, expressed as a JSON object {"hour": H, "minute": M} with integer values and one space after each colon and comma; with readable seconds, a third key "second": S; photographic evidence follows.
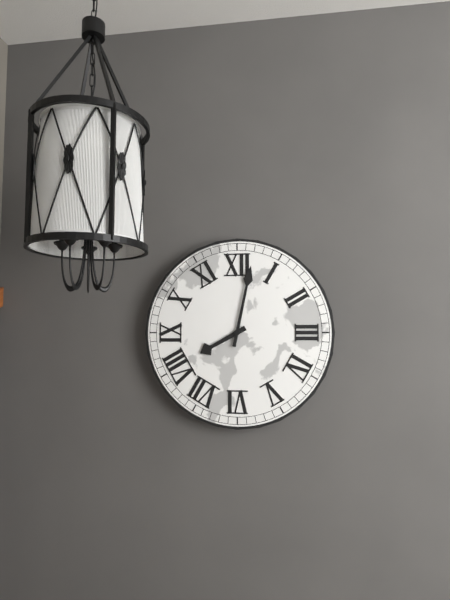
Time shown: {"hour": 8, "minute": 2}
